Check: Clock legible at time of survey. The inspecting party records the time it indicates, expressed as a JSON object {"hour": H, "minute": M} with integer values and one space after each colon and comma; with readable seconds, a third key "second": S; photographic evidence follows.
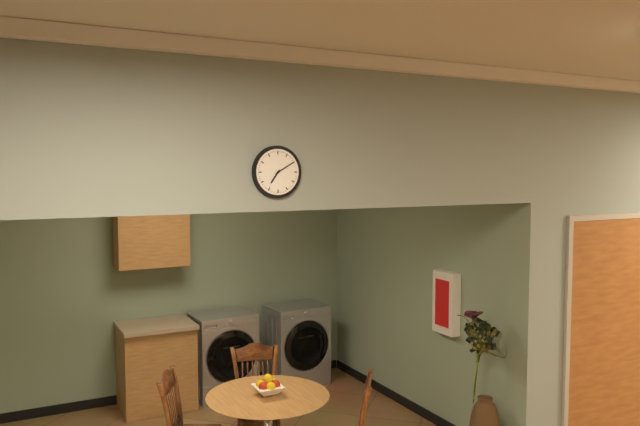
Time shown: {"hour": 7, "minute": 10}
